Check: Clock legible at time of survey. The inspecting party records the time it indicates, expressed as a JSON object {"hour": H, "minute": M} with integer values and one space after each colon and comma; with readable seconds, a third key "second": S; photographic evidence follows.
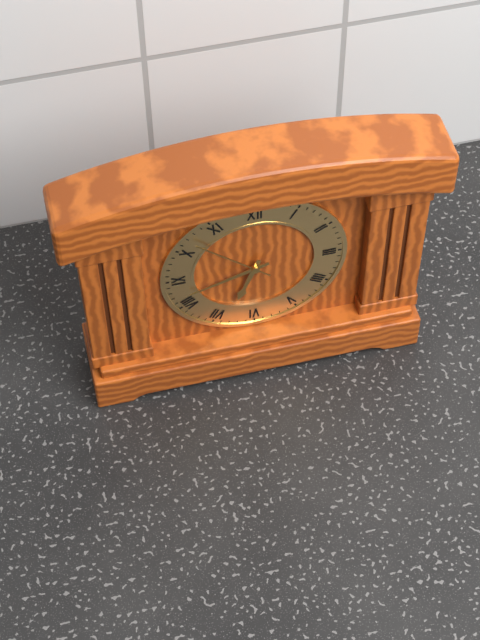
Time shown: {"hour": 6, "minute": 42, "second": 52}
